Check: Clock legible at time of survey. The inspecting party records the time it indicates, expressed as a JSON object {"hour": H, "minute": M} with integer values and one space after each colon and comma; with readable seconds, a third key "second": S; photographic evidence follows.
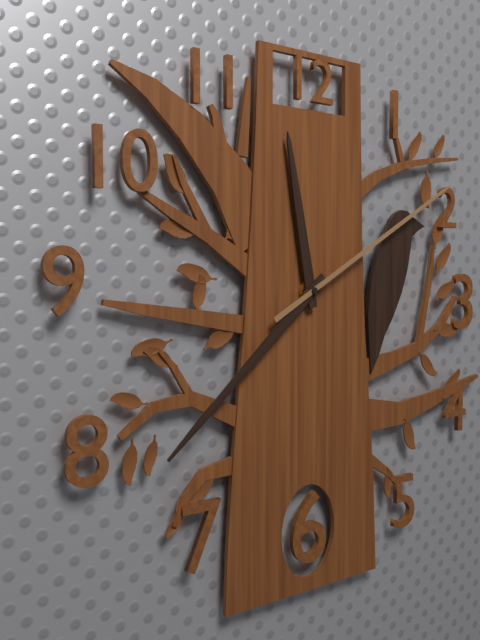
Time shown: {"hour": 11, "minute": 38, "second": 10}
